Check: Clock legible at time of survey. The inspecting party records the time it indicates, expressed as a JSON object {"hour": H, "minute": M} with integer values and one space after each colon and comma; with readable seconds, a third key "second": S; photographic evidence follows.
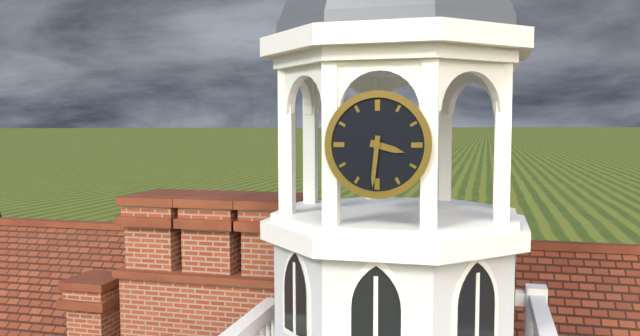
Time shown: {"hour": 3, "minute": 31}
